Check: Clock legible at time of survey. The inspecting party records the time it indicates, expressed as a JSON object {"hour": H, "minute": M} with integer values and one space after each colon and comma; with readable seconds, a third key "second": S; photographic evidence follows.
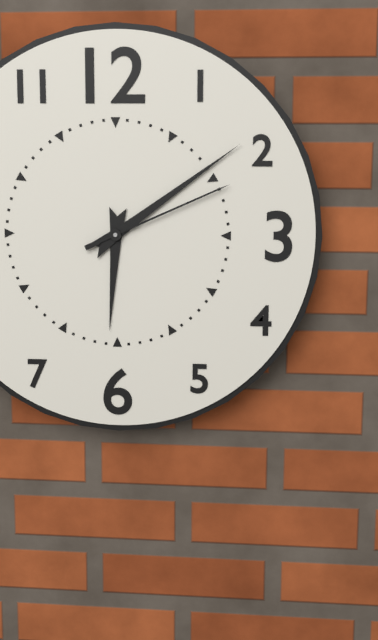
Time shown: {"hour": 6, "minute": 9, "second": 11}
